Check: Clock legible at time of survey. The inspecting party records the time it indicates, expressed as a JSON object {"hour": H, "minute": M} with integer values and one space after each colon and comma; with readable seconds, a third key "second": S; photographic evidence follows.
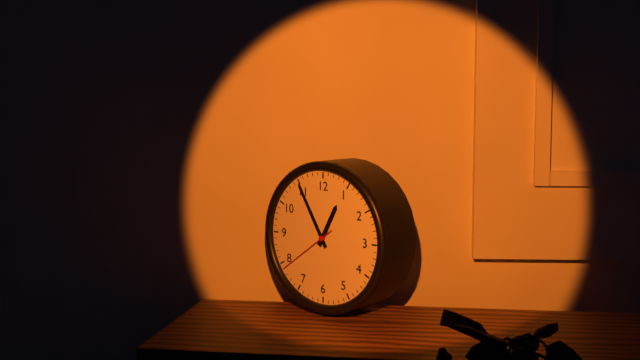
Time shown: {"hour": 12, "minute": 55, "second": 39}
